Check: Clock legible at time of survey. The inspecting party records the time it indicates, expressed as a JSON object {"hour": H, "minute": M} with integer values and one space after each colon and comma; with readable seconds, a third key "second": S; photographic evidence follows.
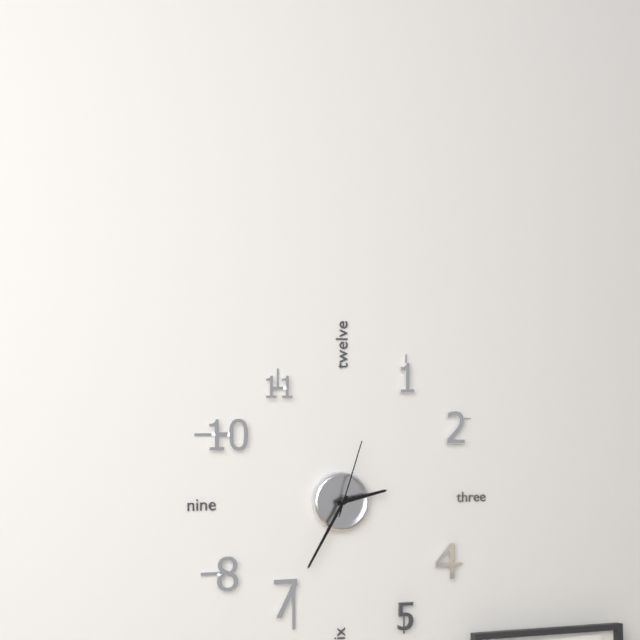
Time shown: {"hour": 2, "minute": 35, "second": 3}
